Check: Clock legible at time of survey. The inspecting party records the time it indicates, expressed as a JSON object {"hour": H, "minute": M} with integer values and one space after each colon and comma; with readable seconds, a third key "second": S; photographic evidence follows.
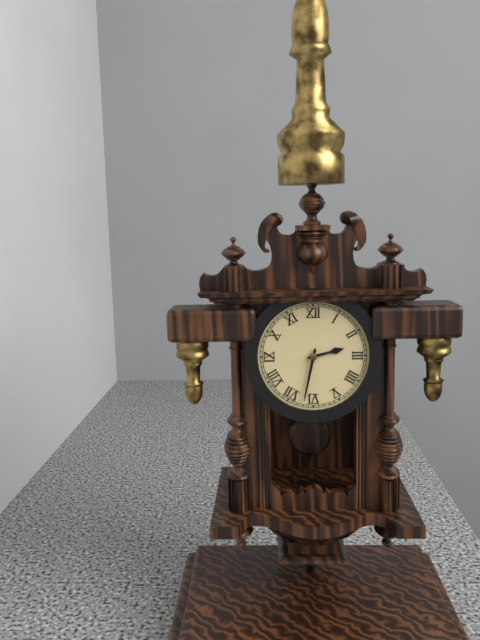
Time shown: {"hour": 2, "minute": 32}
